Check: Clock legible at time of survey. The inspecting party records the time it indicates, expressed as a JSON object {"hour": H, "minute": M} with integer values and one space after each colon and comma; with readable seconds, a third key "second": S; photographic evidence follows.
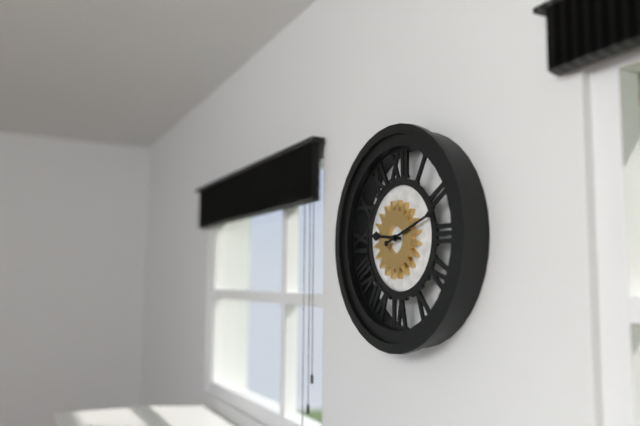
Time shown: {"hour": 9, "minute": 12}
